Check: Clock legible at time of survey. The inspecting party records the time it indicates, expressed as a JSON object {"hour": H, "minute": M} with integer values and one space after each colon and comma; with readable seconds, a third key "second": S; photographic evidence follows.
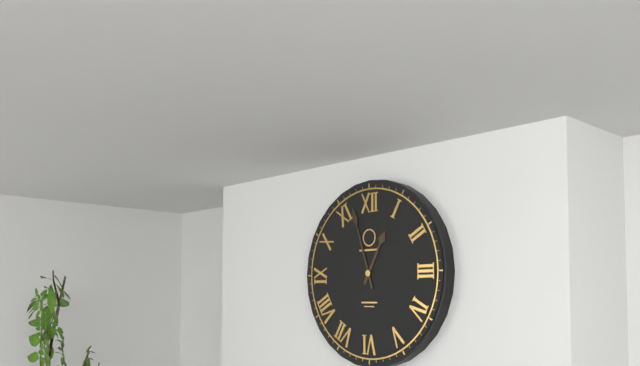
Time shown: {"hour": 12, "minute": 57}
